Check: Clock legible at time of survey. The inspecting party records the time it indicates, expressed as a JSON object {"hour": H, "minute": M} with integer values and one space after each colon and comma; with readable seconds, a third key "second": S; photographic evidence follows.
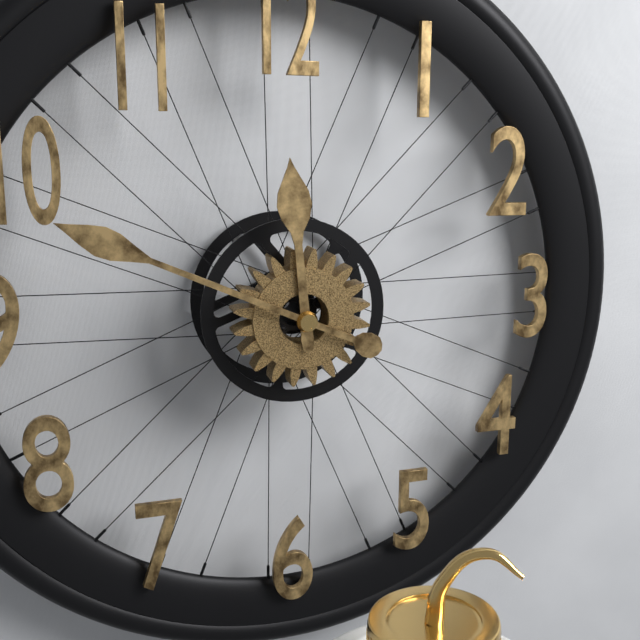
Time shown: {"hour": 11, "minute": 49}
